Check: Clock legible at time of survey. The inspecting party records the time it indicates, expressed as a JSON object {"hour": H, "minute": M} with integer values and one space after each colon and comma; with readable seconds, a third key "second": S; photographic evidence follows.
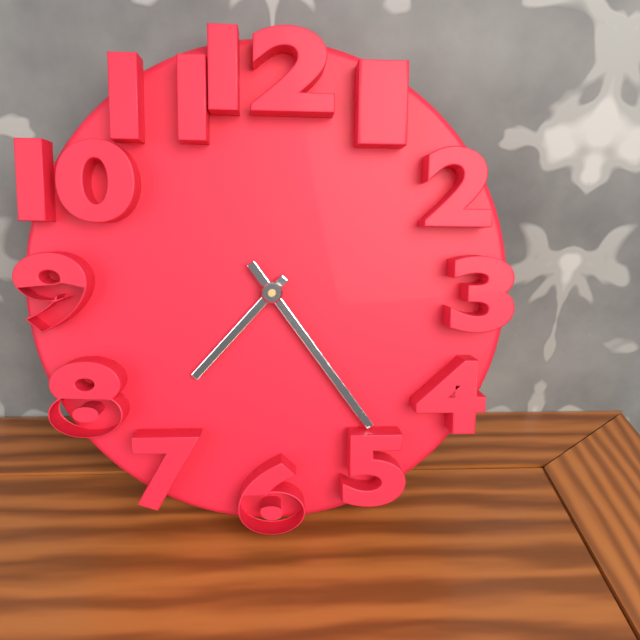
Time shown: {"hour": 7, "minute": 24}
